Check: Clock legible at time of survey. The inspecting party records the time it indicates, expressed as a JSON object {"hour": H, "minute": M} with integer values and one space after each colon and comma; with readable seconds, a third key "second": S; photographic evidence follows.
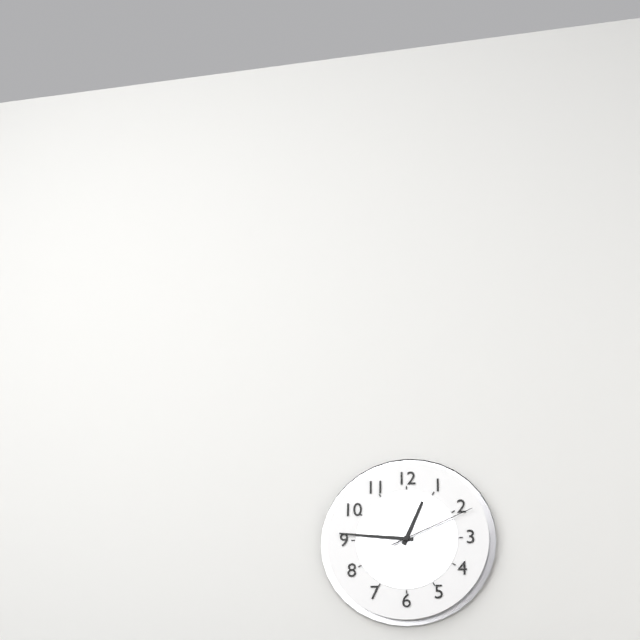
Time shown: {"hour": 12, "minute": 46, "second": 11}
